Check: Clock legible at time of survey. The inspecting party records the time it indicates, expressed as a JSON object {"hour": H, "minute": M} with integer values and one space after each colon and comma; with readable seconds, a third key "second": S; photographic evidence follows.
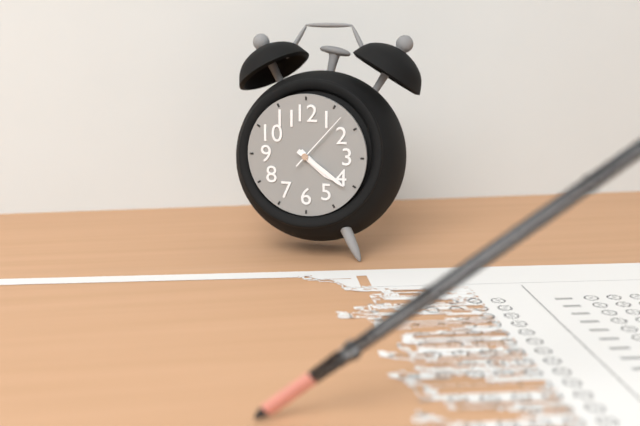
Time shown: {"hour": 4, "minute": 21, "second": 7}
